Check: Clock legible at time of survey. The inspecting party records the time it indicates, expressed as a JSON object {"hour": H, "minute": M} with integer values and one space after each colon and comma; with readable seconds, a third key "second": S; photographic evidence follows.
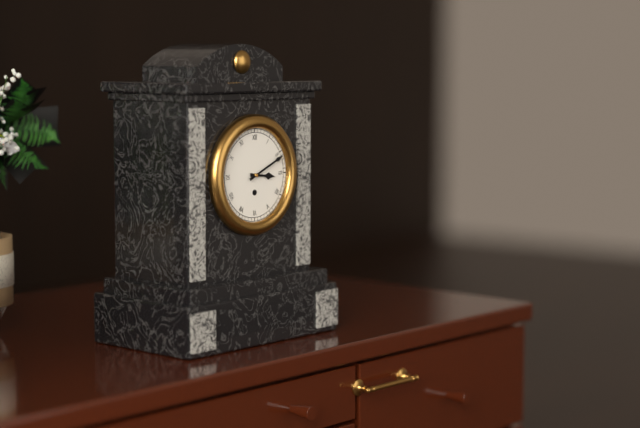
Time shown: {"hour": 3, "minute": 11}
